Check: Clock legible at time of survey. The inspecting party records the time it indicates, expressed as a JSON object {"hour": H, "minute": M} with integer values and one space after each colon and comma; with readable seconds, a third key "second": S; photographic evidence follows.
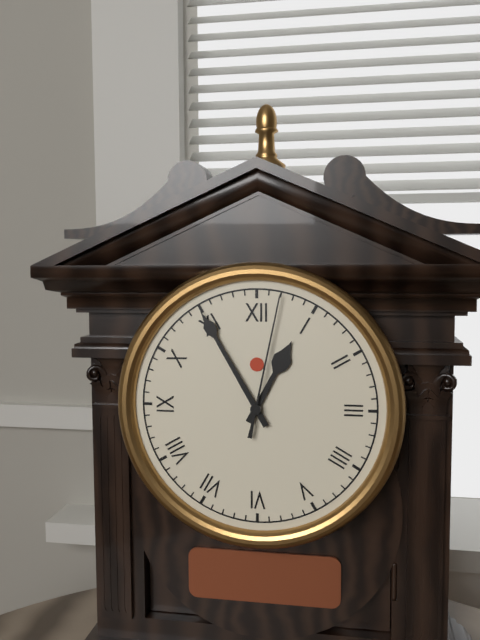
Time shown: {"hour": 12, "minute": 55, "second": 2}
